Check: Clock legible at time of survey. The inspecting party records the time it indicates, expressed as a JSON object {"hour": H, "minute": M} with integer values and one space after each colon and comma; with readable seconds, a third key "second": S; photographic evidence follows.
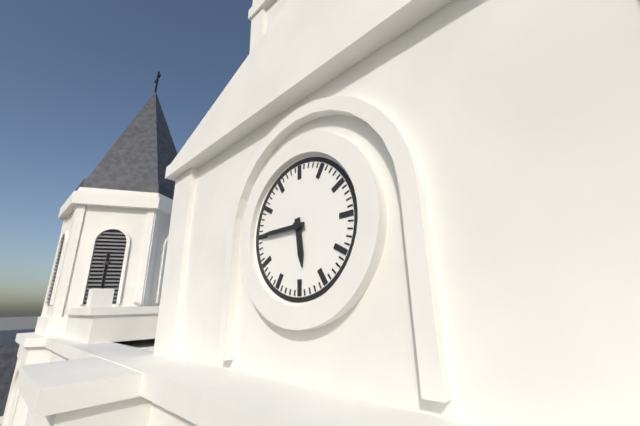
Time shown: {"hour": 5, "minute": 45}
